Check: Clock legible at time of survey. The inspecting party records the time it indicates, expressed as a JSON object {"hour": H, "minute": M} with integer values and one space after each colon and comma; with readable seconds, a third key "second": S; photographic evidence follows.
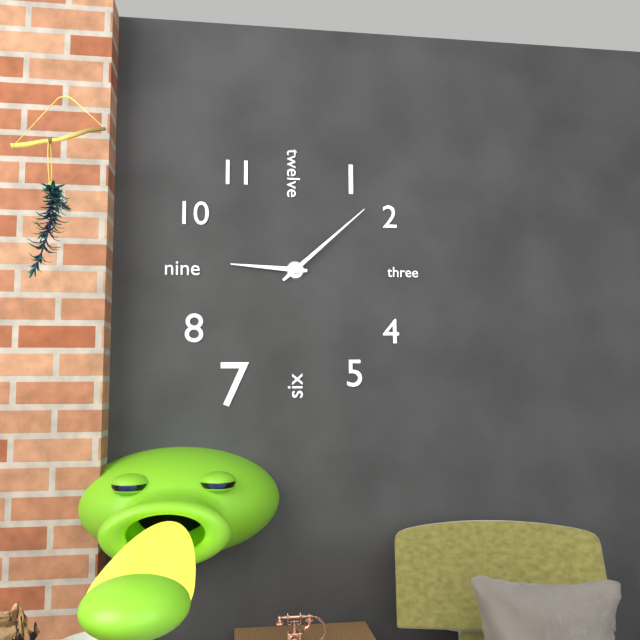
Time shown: {"hour": 9, "minute": 8}
